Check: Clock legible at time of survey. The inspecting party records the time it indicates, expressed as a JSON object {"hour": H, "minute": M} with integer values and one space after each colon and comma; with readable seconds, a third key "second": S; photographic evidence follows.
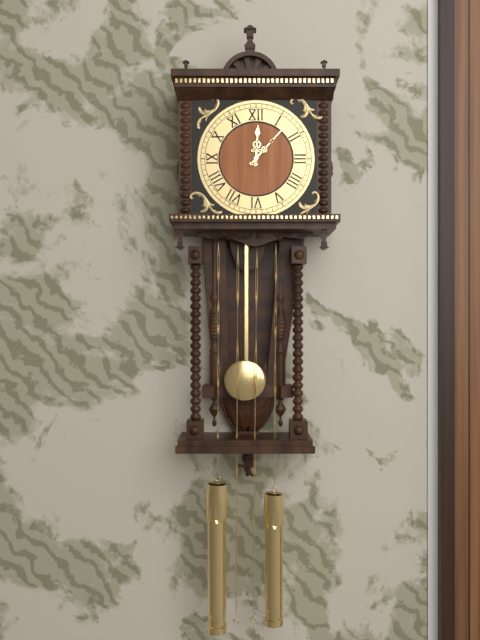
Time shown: {"hour": 12, "minute": 7}
